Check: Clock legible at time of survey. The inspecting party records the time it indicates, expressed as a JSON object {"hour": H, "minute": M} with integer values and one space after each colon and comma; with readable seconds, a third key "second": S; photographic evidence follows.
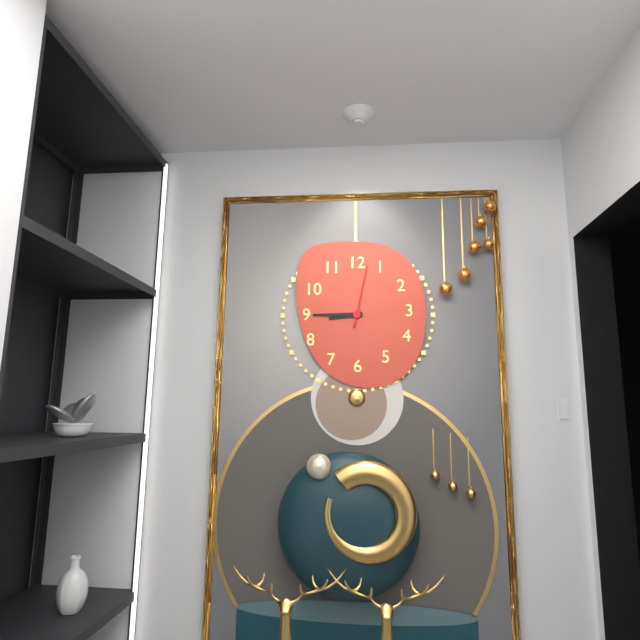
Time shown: {"hour": 8, "minute": 45, "second": 2}
